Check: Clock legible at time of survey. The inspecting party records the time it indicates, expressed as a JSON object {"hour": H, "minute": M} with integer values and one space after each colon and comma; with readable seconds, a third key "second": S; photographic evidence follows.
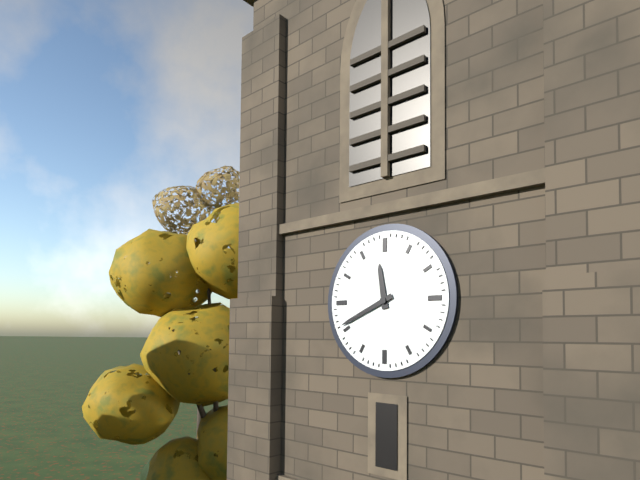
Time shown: {"hour": 11, "minute": 41}
